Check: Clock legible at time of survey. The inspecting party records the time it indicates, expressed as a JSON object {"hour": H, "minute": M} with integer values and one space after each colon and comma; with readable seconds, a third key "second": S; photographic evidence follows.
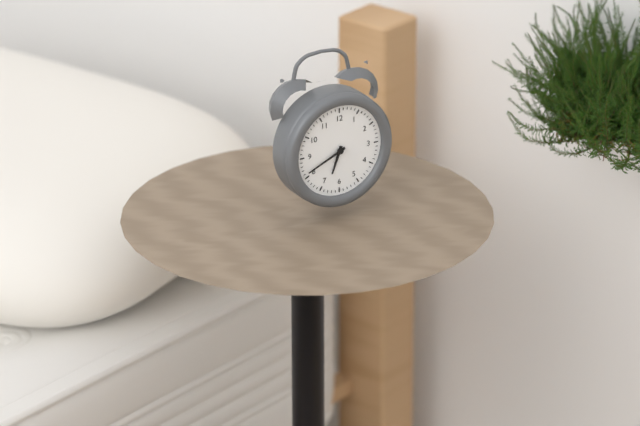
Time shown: {"hour": 6, "minute": 41}
